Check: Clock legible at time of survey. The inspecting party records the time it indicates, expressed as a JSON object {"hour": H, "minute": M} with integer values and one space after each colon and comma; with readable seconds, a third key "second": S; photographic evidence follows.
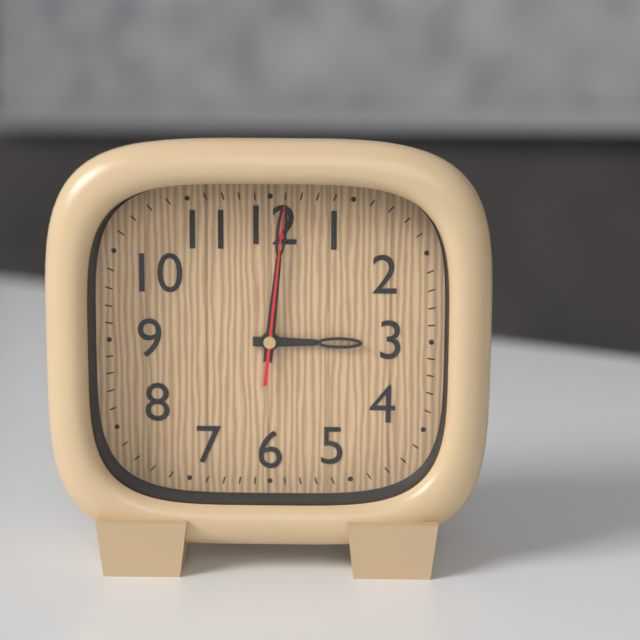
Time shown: {"hour": 3, "minute": 1, "second": 1}
